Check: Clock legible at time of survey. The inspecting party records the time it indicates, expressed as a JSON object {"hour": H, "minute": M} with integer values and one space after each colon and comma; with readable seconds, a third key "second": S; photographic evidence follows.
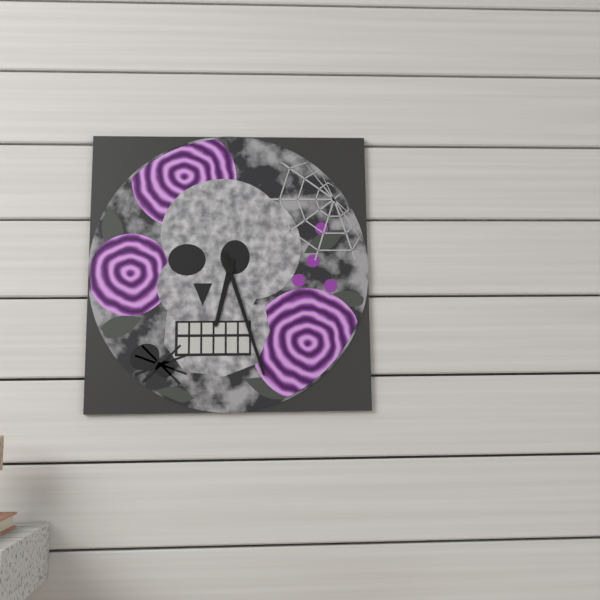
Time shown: {"hour": 6, "minute": 27}
